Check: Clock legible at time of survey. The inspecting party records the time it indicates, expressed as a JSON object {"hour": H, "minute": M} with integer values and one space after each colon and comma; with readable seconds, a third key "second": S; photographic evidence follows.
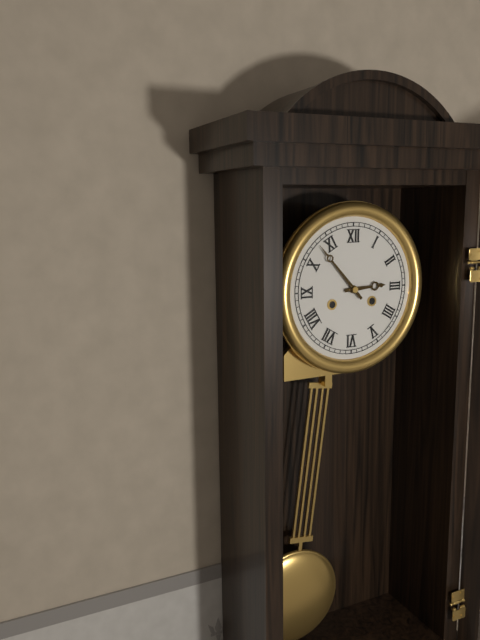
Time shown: {"hour": 2, "minute": 53}
